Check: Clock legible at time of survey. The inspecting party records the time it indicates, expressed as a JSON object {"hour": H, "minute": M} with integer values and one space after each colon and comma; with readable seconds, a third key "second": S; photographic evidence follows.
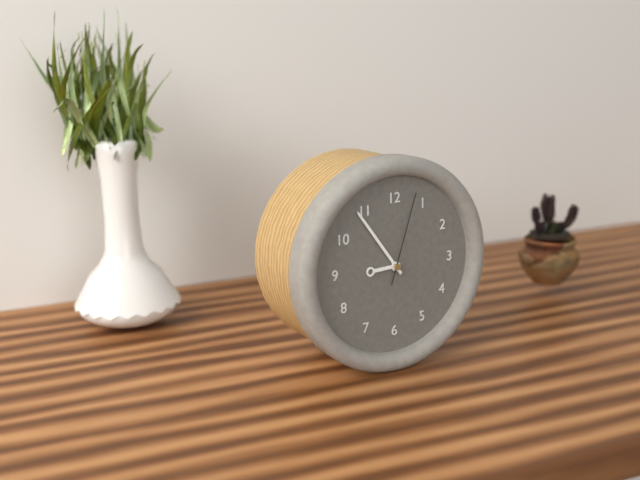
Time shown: {"hour": 8, "minute": 54, "second": 3}
